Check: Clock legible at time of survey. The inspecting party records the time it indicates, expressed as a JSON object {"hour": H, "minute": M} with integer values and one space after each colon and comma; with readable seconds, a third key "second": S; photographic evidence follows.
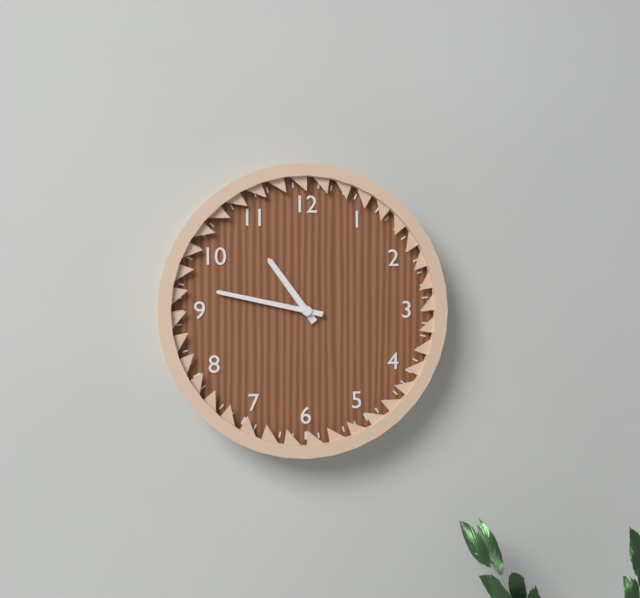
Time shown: {"hour": 10, "minute": 47}
